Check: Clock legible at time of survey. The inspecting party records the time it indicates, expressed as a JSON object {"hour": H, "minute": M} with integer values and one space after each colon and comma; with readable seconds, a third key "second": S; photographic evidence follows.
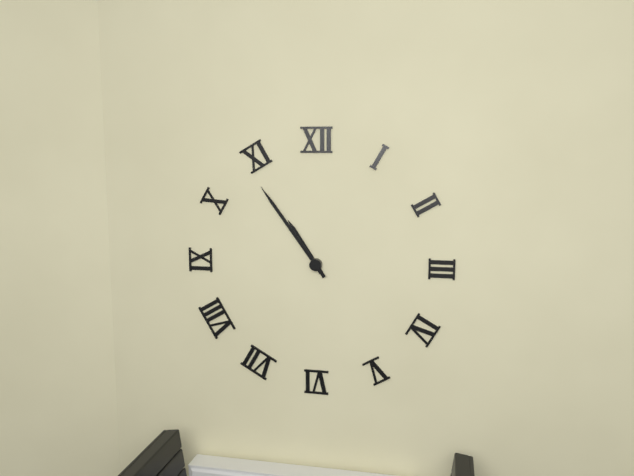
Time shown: {"hour": 10, "minute": 54}
